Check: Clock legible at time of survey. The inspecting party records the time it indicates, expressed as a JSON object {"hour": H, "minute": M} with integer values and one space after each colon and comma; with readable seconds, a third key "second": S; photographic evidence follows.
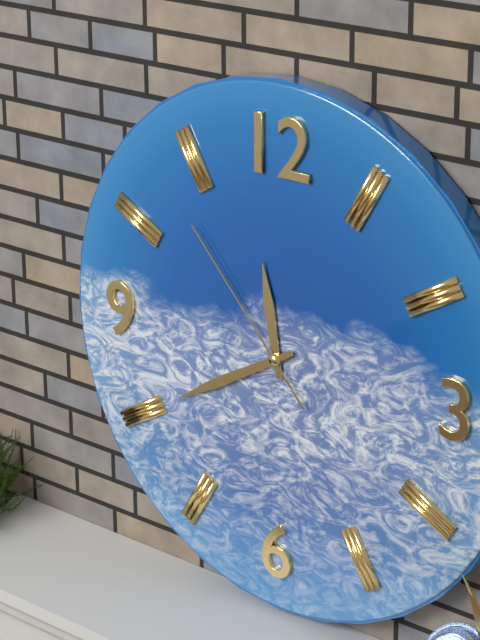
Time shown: {"hour": 11, "minute": 40, "second": 53}
